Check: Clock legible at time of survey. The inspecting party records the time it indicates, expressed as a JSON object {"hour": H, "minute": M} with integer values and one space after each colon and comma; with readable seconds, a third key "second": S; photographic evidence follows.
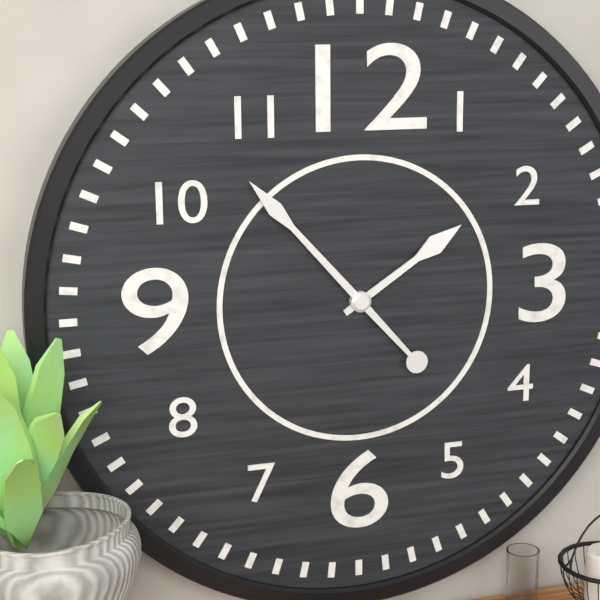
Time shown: {"hour": 1, "minute": 53}
